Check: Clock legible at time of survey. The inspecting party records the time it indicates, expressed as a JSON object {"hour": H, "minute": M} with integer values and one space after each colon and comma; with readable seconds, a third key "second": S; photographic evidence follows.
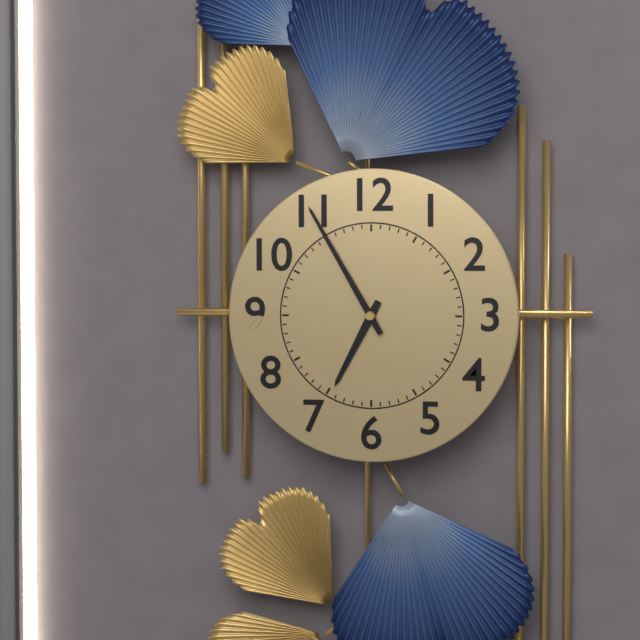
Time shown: {"hour": 6, "minute": 55}
